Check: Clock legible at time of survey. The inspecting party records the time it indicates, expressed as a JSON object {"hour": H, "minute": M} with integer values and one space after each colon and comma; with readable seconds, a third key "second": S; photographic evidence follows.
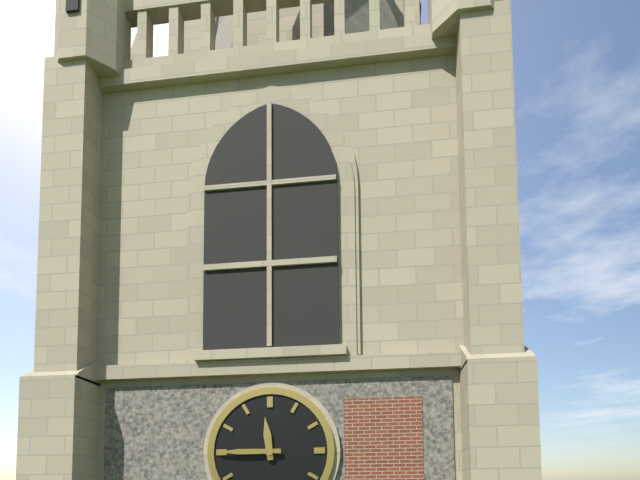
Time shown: {"hour": 11, "minute": 45}
